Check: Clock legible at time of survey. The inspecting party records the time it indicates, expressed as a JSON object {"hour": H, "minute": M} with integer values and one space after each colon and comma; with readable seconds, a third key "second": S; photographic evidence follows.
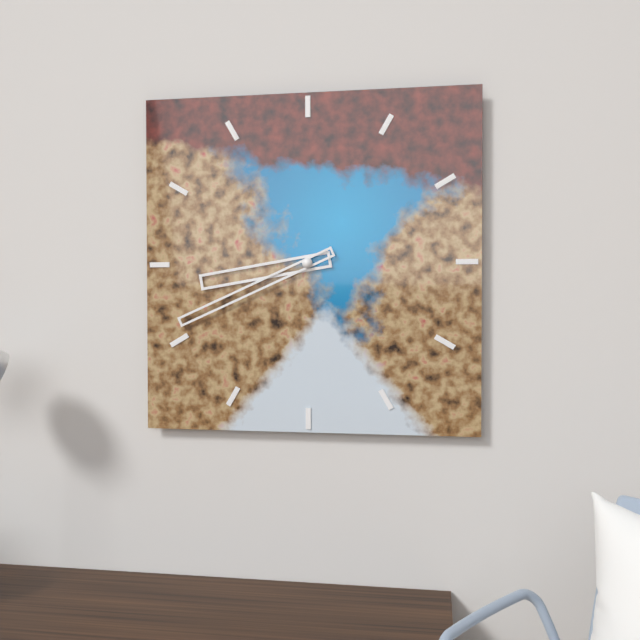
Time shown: {"hour": 8, "minute": 41}
